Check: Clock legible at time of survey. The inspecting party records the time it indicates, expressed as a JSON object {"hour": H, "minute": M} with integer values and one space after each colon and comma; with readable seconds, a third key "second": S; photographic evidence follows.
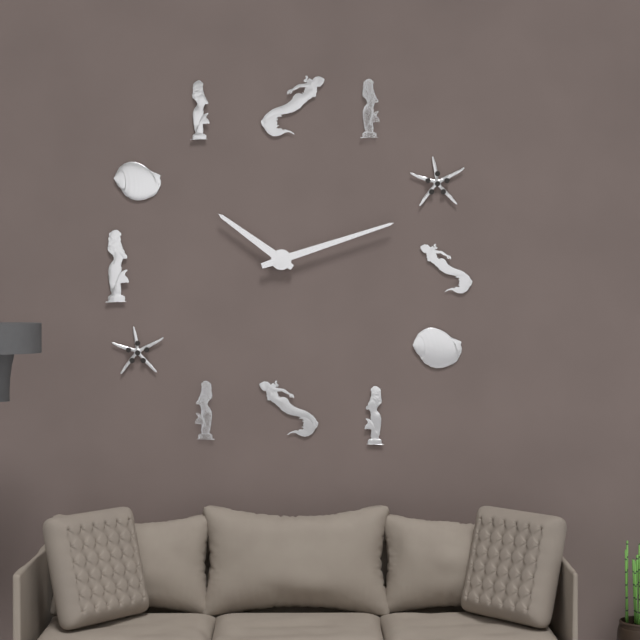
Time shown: {"hour": 10, "minute": 12}
